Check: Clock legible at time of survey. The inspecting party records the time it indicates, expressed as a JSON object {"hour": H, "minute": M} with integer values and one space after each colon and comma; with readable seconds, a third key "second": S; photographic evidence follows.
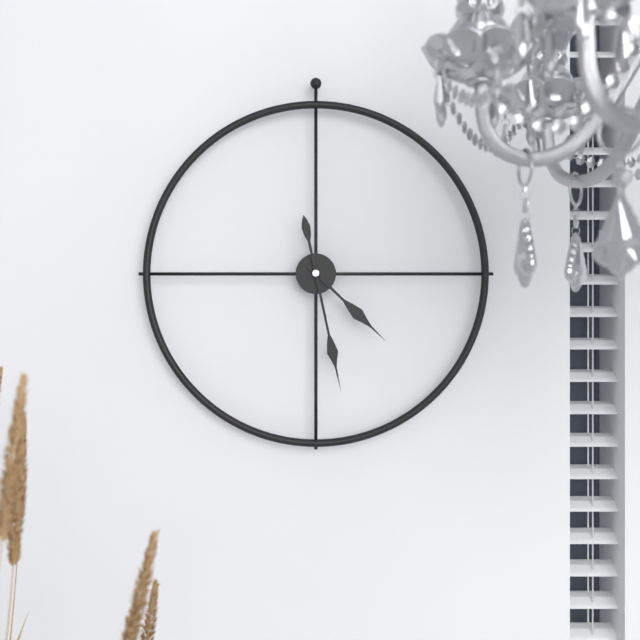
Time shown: {"hour": 4, "minute": 28}
